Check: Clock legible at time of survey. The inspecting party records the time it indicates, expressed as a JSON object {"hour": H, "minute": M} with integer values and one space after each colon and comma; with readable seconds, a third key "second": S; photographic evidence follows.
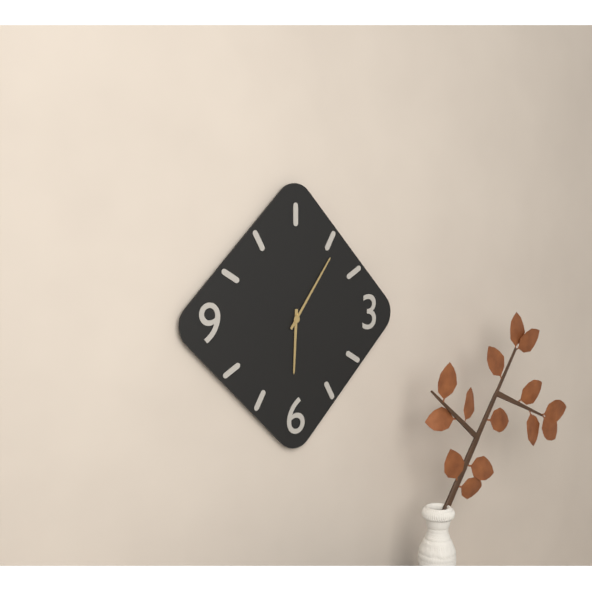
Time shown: {"hour": 6, "minute": 6}
